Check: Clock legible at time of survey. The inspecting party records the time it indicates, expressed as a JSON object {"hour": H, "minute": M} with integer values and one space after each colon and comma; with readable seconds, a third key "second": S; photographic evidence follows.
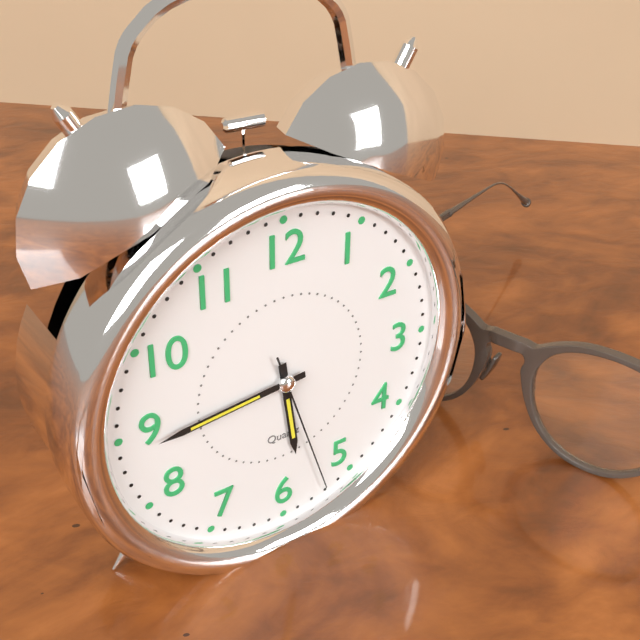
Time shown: {"hour": 5, "minute": 44, "second": 27}
